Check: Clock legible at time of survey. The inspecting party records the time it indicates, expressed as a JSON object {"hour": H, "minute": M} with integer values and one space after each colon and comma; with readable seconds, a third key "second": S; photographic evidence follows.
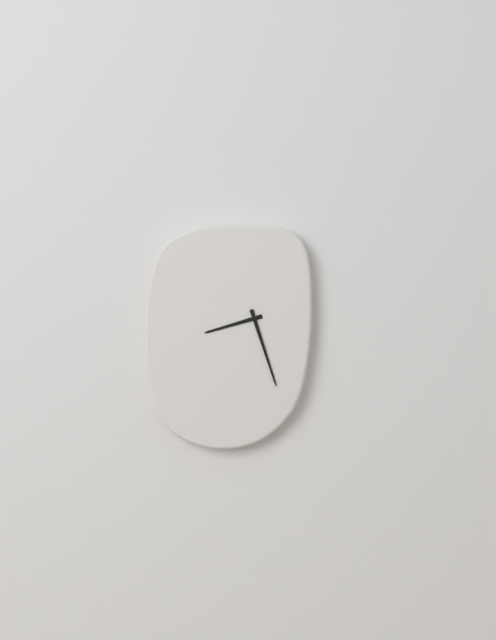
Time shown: {"hour": 8, "minute": 27}
